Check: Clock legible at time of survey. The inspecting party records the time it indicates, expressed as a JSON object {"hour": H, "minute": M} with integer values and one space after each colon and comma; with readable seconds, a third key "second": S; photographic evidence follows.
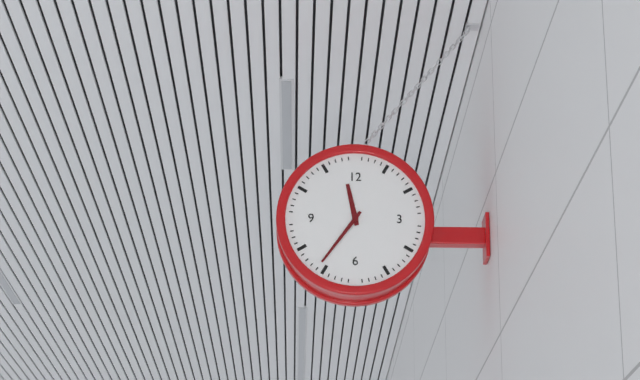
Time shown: {"hour": 11, "minute": 36}
